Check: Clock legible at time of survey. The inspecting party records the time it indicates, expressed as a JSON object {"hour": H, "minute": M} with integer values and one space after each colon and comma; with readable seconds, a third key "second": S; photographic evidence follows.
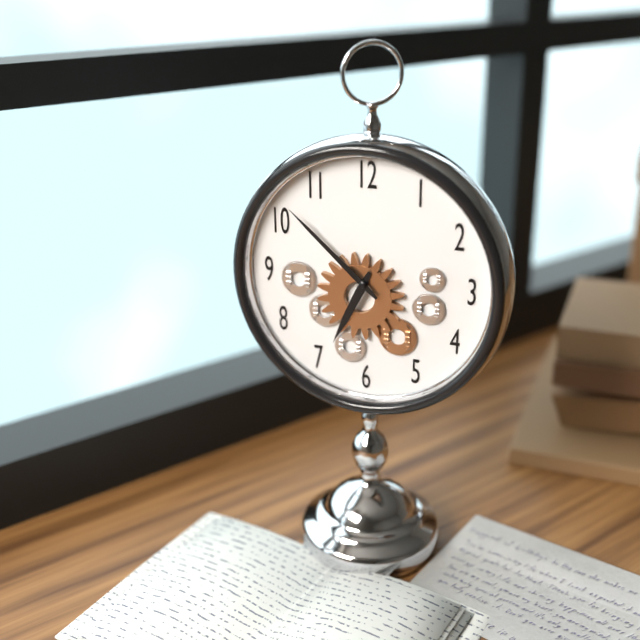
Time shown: {"hour": 6, "minute": 52}
